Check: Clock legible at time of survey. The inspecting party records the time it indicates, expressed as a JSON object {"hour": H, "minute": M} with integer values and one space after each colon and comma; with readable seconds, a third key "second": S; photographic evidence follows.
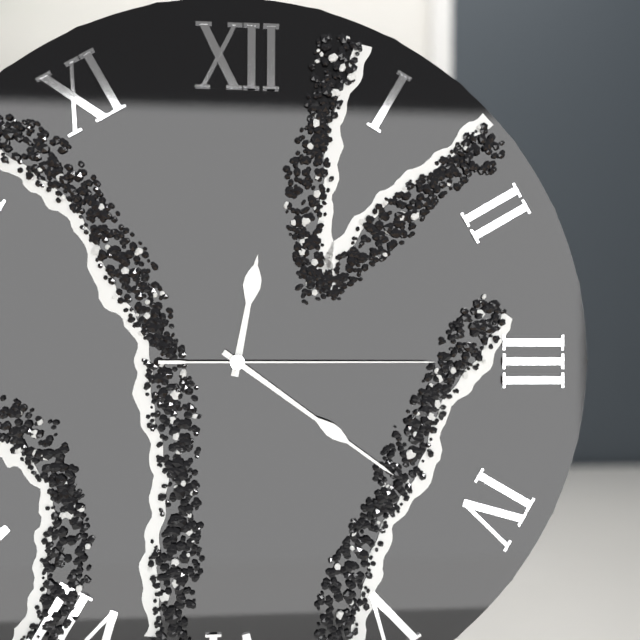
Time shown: {"hour": 12, "minute": 21, "second": 15}
